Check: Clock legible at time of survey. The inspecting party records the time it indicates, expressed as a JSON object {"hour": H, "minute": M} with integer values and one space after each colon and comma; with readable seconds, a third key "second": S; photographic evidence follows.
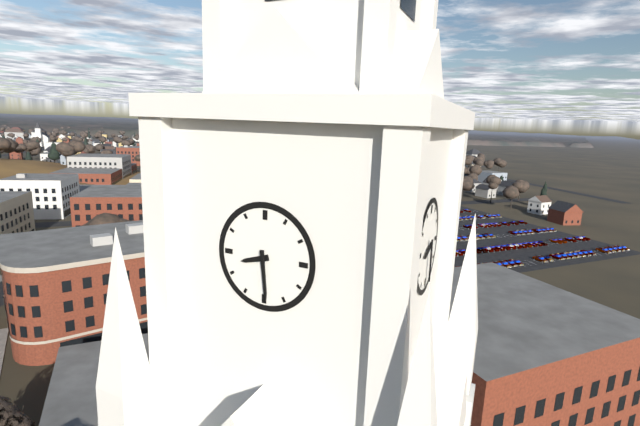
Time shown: {"hour": 8, "minute": 29}
